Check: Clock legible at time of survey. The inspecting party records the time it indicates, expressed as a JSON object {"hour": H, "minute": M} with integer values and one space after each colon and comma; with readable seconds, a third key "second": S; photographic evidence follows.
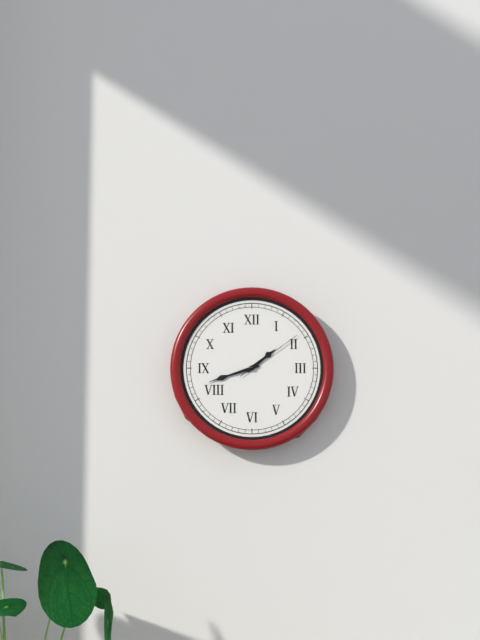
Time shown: {"hour": 1, "minute": 42, "second": 9}
